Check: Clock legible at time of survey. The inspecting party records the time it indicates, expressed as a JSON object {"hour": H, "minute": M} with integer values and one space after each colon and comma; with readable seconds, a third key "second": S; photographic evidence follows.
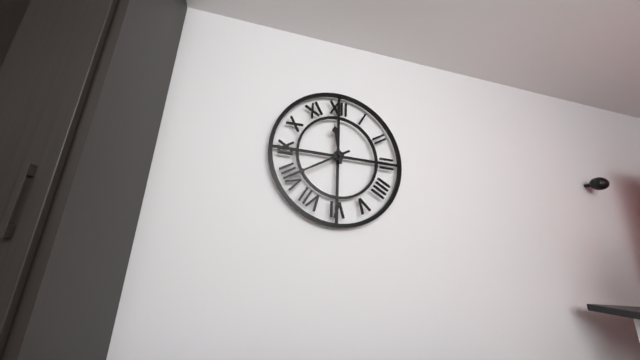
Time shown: {"hour": 11, "minute": 40}
